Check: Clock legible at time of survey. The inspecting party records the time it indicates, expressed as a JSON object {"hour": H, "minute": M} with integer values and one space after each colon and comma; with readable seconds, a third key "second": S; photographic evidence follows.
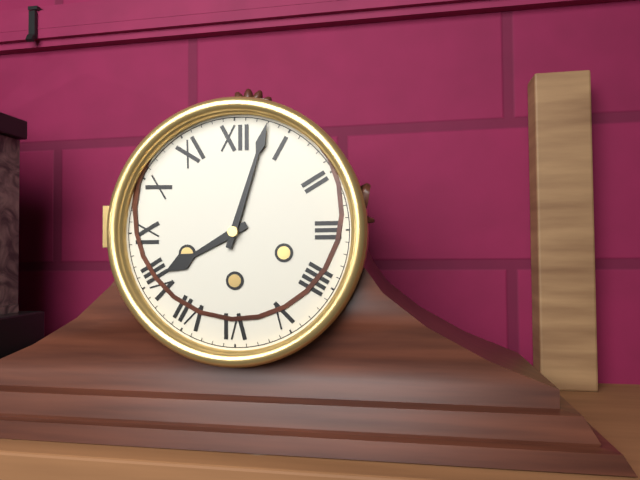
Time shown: {"hour": 8, "minute": 3}
